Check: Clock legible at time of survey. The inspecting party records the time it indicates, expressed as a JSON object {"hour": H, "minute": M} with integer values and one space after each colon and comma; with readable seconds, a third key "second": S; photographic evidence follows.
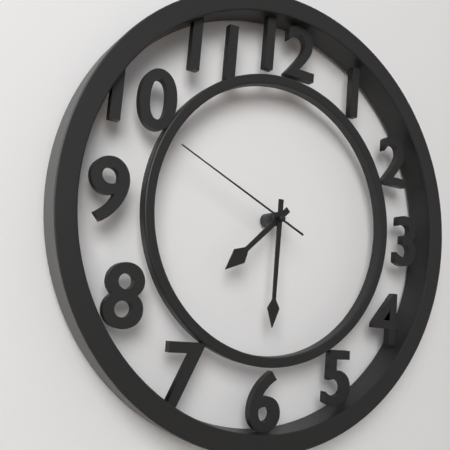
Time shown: {"hour": 7, "minute": 30, "second": 49}
